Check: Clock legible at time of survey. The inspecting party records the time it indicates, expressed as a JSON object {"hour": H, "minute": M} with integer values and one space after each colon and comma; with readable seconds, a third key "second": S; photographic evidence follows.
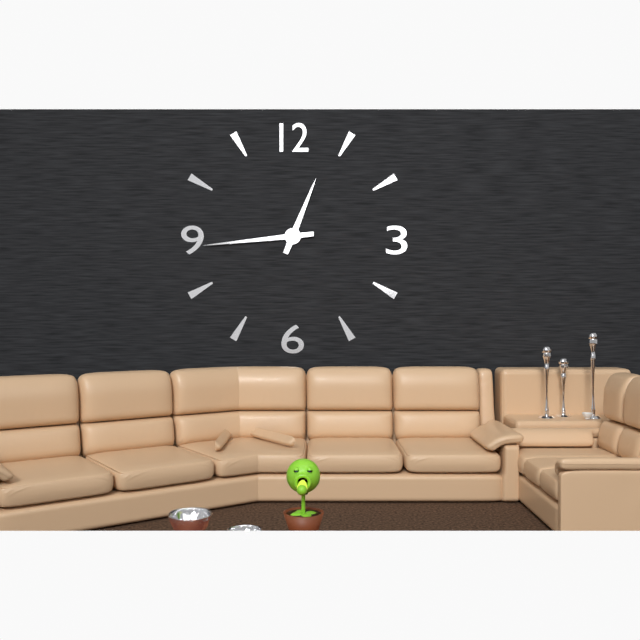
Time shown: {"hour": 12, "minute": 44}
